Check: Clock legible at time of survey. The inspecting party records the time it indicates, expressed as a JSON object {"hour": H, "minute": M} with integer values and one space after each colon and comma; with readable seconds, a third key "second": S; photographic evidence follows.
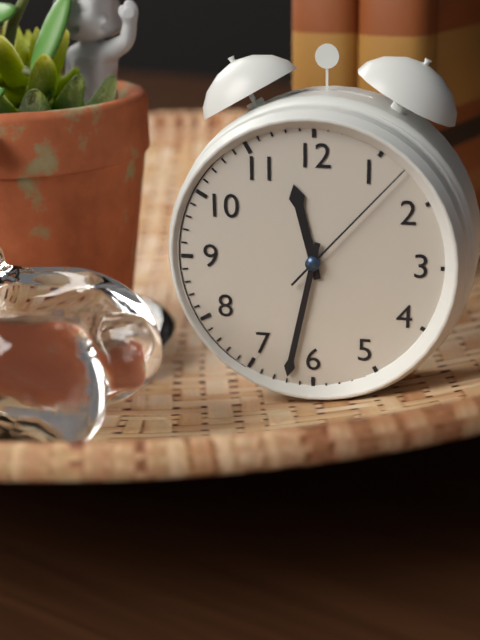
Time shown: {"hour": 11, "minute": 32, "second": 7}
